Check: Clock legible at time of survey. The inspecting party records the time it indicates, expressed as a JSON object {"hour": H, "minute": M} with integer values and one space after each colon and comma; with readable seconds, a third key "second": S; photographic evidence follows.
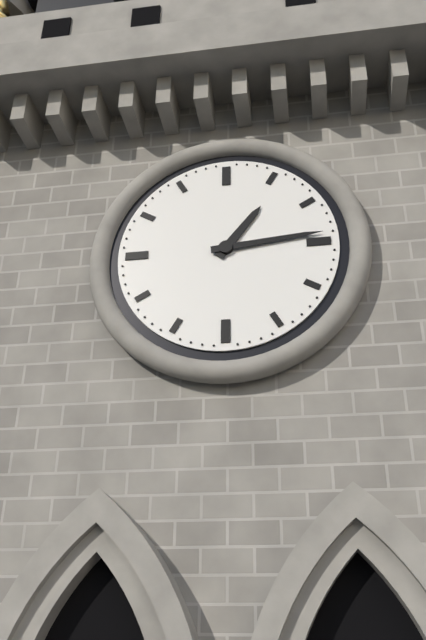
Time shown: {"hour": 1, "minute": 14}
